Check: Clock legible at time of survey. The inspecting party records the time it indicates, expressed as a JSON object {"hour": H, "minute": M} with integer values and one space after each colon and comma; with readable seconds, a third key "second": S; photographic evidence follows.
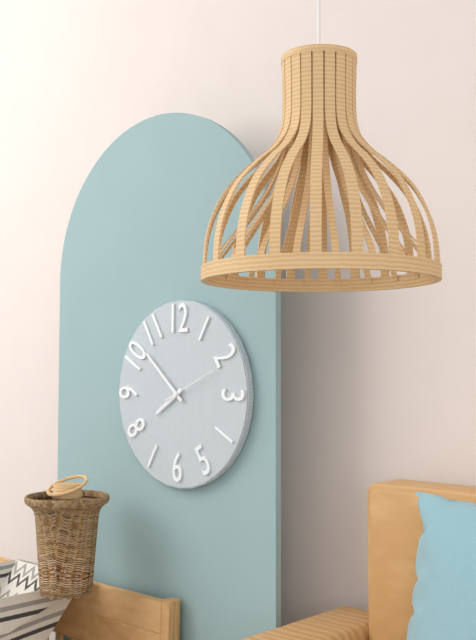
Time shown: {"hour": 7, "minute": 52, "second": 11}
